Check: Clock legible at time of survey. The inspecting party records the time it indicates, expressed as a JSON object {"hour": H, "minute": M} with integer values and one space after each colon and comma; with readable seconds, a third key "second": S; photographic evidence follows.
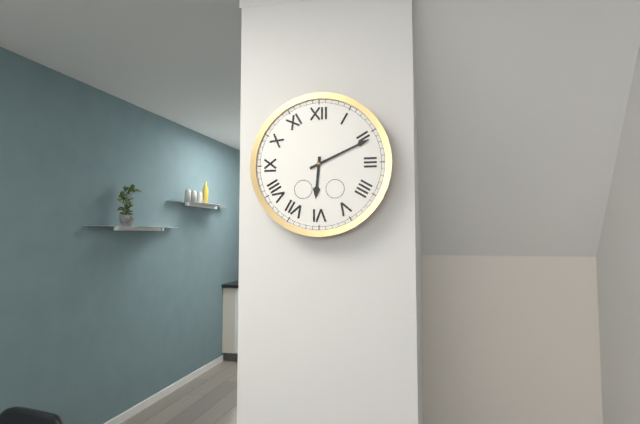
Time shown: {"hour": 6, "minute": 11}
